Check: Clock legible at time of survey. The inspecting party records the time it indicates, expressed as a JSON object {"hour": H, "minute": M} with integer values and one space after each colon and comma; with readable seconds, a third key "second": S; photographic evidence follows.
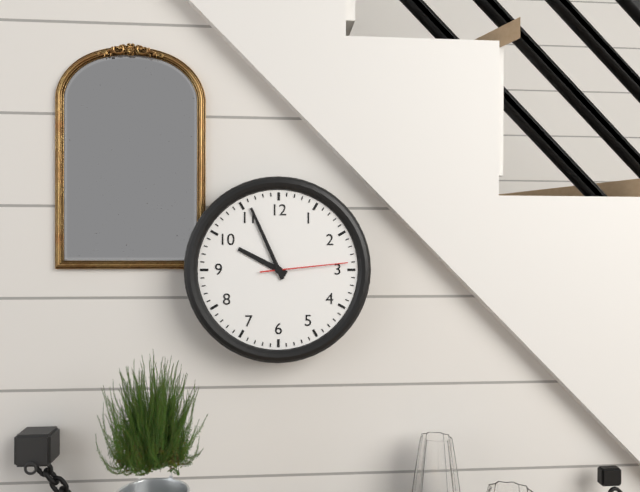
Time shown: {"hour": 9, "minute": 56, "second": 14}
